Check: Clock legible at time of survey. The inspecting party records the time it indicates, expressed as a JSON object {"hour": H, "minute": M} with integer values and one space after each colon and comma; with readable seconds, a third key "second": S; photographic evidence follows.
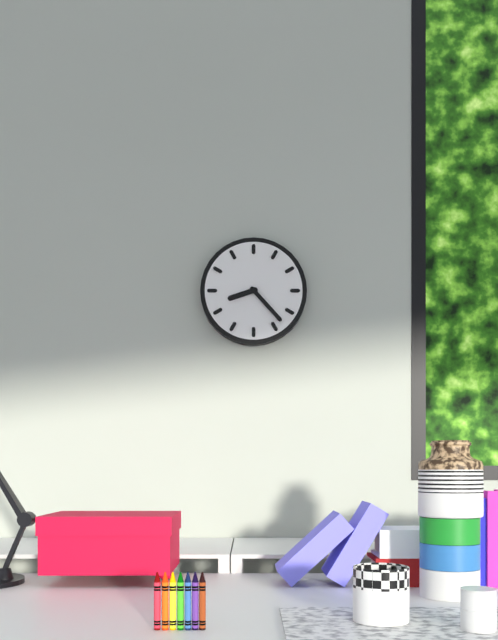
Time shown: {"hour": 8, "minute": 23}
